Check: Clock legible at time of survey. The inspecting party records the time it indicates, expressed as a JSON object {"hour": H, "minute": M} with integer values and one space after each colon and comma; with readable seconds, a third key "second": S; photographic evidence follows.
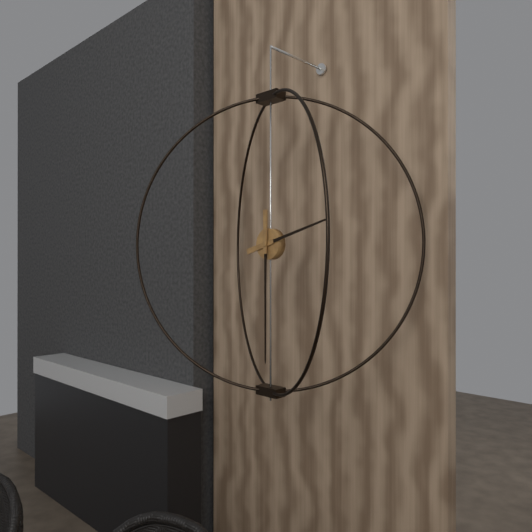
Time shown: {"hour": 2, "minute": 30}
